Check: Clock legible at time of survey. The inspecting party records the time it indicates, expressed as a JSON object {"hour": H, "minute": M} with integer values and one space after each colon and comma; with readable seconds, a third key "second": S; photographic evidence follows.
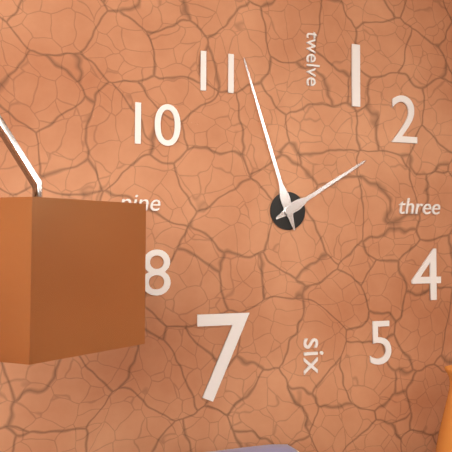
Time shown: {"hour": 1, "minute": 57}
